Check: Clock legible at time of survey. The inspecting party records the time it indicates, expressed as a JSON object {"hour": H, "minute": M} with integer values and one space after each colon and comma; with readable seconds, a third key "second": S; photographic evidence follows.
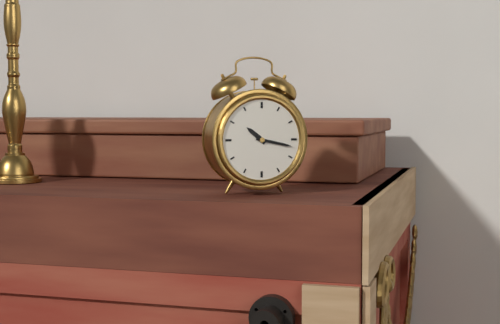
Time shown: {"hour": 10, "minute": 17}
